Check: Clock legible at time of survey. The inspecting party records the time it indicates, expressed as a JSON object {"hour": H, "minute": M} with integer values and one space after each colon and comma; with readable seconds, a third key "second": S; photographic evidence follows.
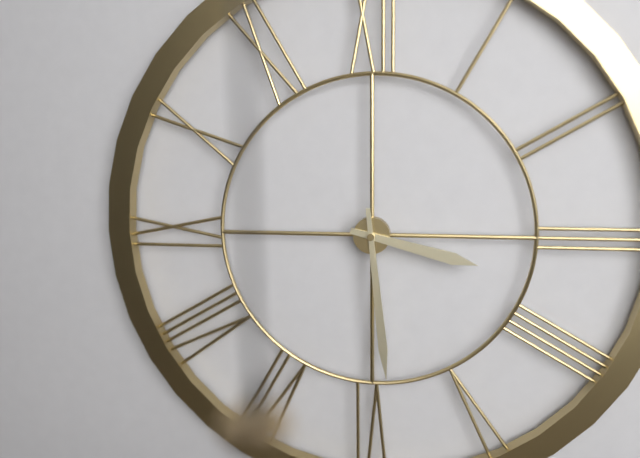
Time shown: {"hour": 3, "minute": 29}
